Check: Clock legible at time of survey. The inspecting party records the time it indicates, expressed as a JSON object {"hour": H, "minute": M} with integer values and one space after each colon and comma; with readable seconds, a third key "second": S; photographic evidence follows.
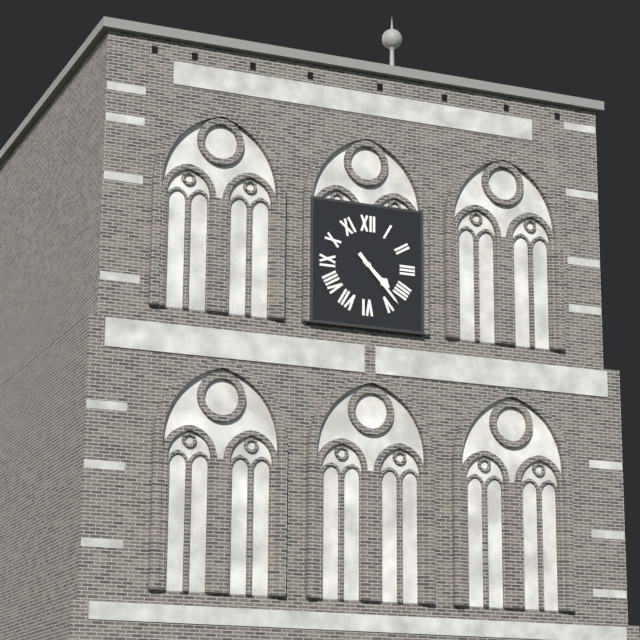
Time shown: {"hour": 4, "minute": 23}
